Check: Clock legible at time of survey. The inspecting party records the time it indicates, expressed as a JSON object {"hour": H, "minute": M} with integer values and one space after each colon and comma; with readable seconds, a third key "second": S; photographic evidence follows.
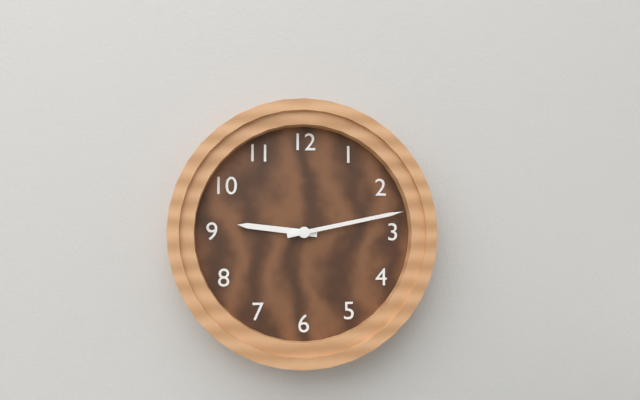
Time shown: {"hour": 9, "minute": 13}
